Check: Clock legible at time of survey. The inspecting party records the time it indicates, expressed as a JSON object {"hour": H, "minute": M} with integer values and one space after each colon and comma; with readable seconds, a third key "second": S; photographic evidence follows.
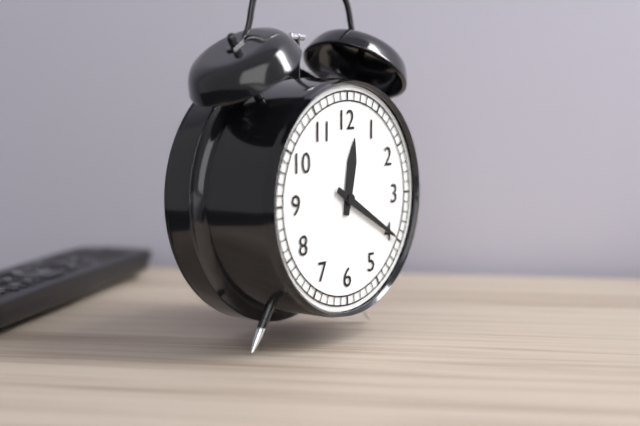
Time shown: {"hour": 12, "minute": 20}
